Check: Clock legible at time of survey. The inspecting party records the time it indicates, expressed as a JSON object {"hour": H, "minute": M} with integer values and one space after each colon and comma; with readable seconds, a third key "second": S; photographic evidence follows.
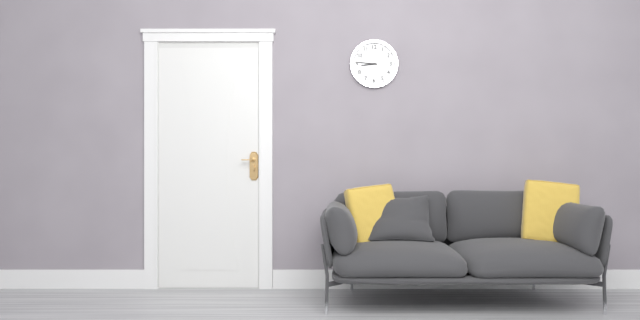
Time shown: {"hour": 8, "minute": 46}
